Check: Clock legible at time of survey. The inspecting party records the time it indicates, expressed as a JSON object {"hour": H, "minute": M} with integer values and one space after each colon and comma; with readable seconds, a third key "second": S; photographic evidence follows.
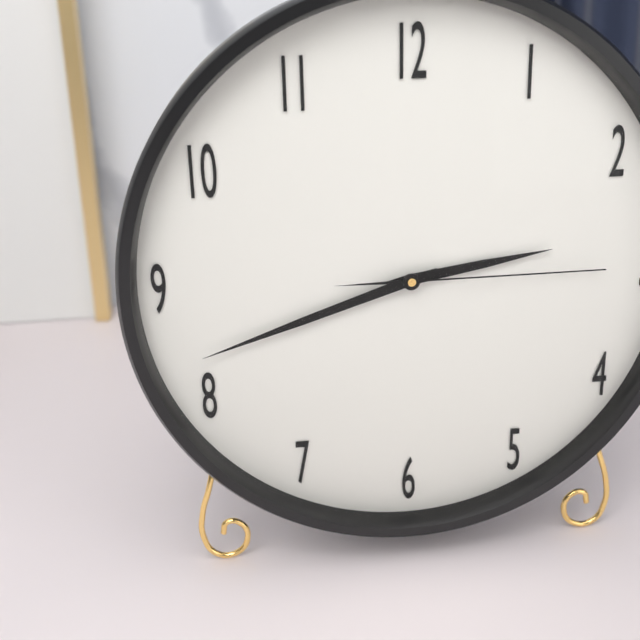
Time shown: {"hour": 2, "minute": 42, "second": 15}
